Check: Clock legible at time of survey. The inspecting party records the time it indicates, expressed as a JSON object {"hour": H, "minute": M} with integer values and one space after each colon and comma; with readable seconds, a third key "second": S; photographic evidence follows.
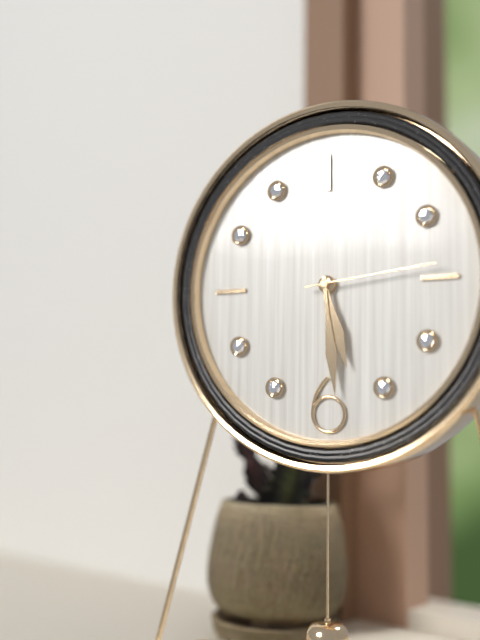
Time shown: {"hour": 5, "minute": 29, "second": 14}
